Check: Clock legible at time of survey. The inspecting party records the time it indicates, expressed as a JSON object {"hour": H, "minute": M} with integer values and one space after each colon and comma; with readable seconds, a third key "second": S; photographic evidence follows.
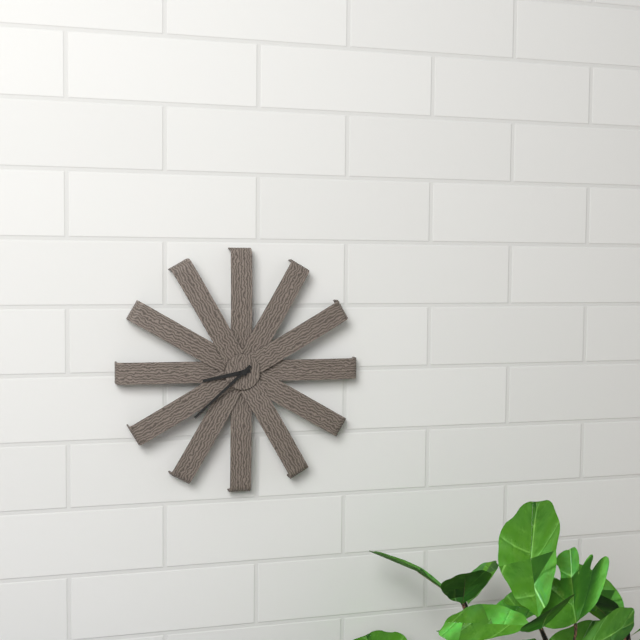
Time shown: {"hour": 8, "minute": 38}
